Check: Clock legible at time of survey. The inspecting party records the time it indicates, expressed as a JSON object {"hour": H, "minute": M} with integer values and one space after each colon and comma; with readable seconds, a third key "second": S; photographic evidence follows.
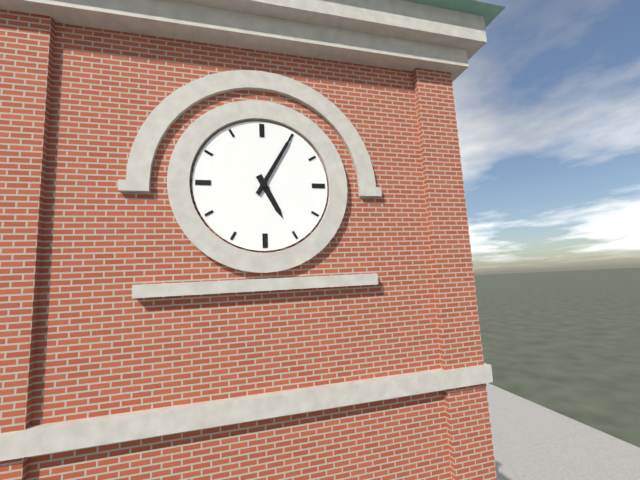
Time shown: {"hour": 5, "minute": 5}
